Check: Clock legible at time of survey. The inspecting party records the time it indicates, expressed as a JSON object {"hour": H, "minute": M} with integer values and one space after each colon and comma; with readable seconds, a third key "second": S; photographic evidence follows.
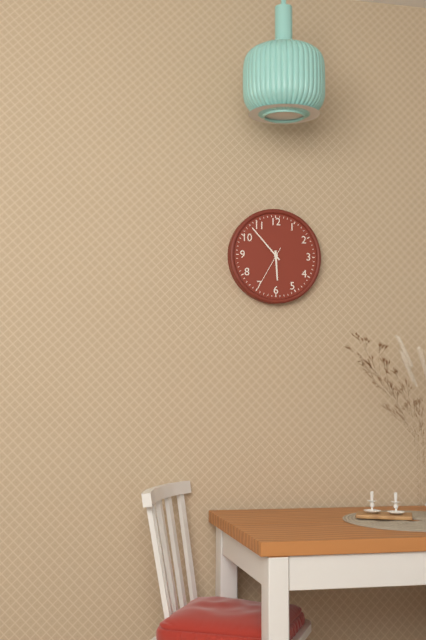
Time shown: {"hour": 5, "minute": 53}
